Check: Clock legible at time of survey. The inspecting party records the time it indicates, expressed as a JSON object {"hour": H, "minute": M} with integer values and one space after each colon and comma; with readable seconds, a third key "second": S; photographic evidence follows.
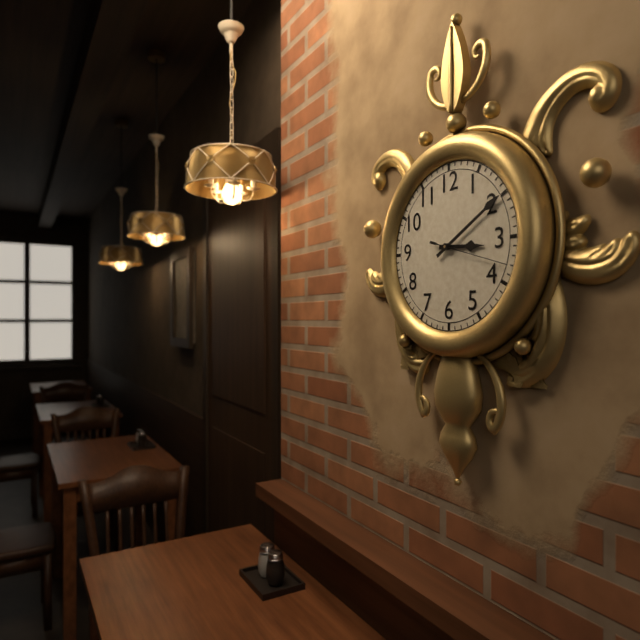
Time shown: {"hour": 3, "minute": 10, "second": 18}
